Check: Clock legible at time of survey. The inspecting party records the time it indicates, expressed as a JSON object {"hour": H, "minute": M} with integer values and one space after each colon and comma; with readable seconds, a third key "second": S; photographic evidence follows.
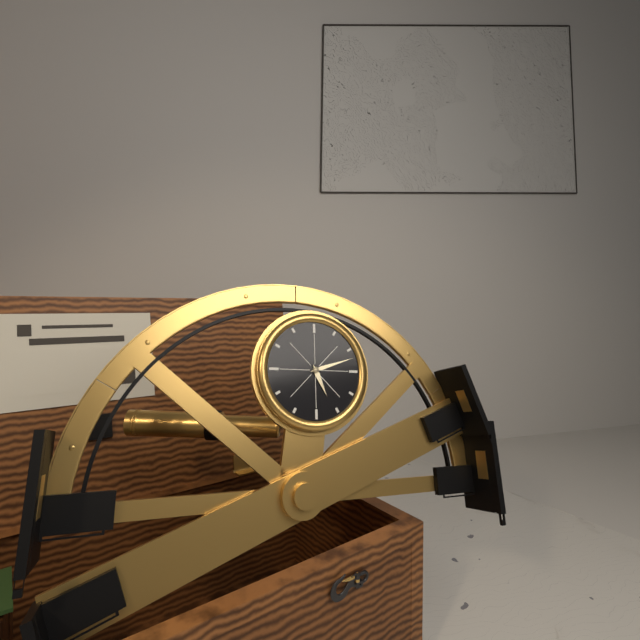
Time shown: {"hour": 5, "minute": 12}
